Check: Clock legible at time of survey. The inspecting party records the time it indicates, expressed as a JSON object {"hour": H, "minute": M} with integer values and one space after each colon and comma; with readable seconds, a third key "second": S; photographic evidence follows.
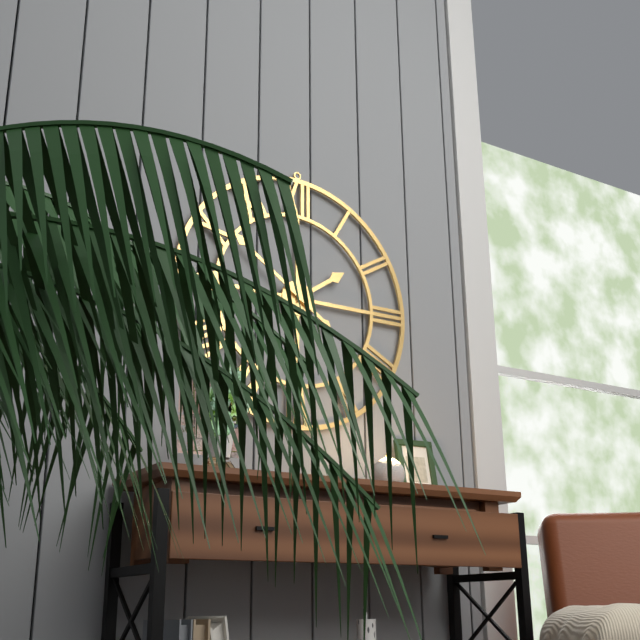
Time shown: {"hour": 1, "minute": 51}
